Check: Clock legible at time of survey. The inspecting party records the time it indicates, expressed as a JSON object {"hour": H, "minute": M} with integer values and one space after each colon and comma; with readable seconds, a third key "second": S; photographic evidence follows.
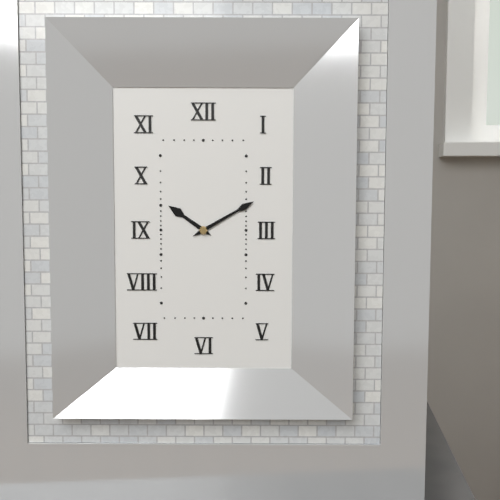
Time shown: {"hour": 10, "minute": 10}
